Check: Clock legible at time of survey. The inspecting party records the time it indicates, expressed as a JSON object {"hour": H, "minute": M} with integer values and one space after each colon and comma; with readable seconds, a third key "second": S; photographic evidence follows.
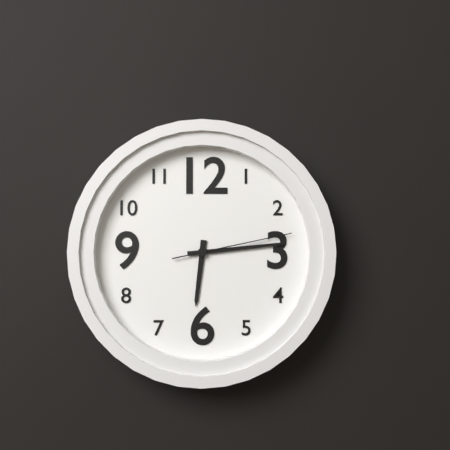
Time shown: {"hour": 6, "minute": 14, "second": 13}
